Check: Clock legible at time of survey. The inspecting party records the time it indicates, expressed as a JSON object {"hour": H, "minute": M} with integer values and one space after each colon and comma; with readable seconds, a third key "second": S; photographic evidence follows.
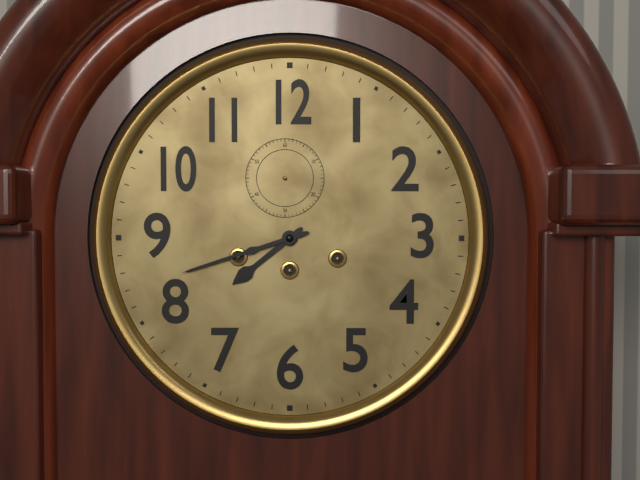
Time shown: {"hour": 7, "minute": 42}
